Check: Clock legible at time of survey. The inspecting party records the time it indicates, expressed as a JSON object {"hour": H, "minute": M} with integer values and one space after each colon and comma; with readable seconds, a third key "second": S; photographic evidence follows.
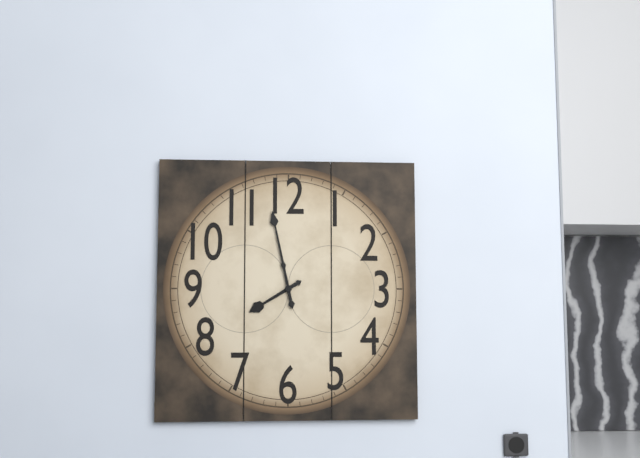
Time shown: {"hour": 7, "minute": 58}
